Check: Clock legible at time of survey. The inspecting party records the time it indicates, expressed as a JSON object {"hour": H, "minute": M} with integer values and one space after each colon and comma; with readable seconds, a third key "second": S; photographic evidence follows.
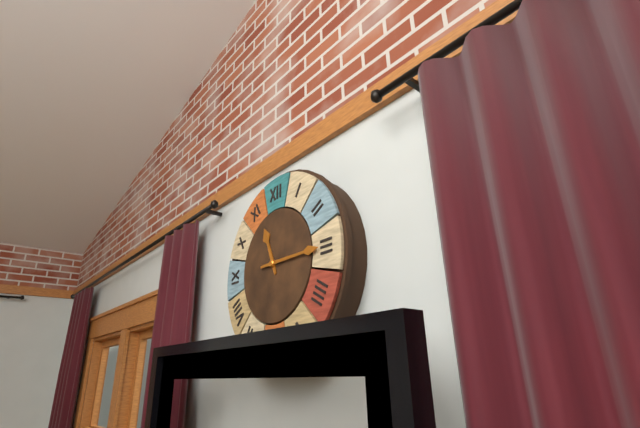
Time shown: {"hour": 11, "minute": 15}
